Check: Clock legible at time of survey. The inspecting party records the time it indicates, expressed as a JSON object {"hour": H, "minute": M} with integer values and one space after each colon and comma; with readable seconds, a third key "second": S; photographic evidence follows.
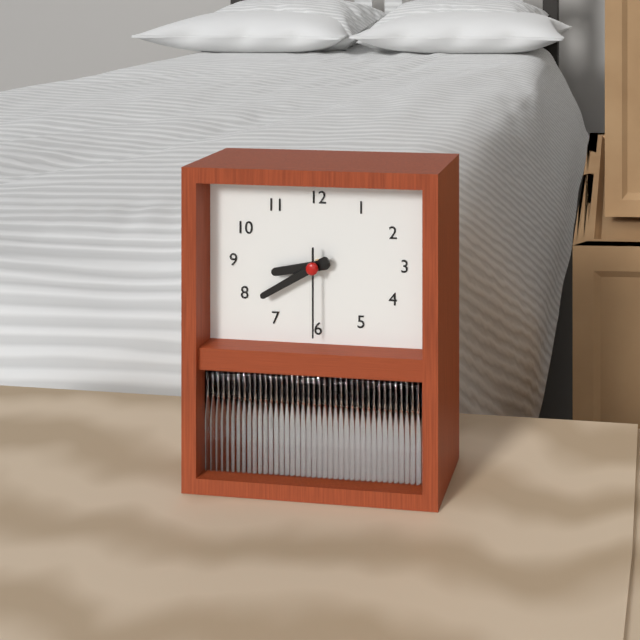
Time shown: {"hour": 8, "minute": 40, "second": 30}
